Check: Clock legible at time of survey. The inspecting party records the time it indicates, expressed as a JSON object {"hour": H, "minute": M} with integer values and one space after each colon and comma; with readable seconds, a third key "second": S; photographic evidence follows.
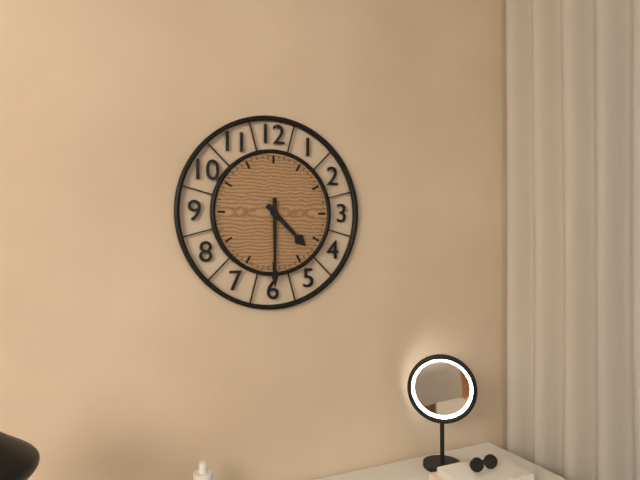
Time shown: {"hour": 4, "minute": 30}
